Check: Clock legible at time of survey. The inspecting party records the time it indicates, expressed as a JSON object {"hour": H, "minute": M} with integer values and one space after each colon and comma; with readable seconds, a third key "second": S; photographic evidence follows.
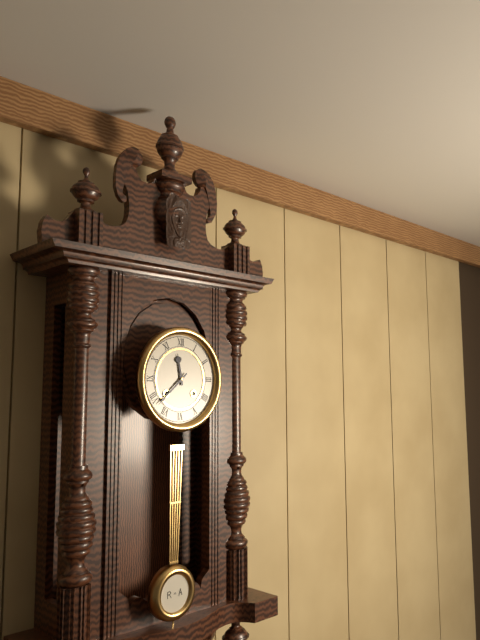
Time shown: {"hour": 11, "minute": 38}
